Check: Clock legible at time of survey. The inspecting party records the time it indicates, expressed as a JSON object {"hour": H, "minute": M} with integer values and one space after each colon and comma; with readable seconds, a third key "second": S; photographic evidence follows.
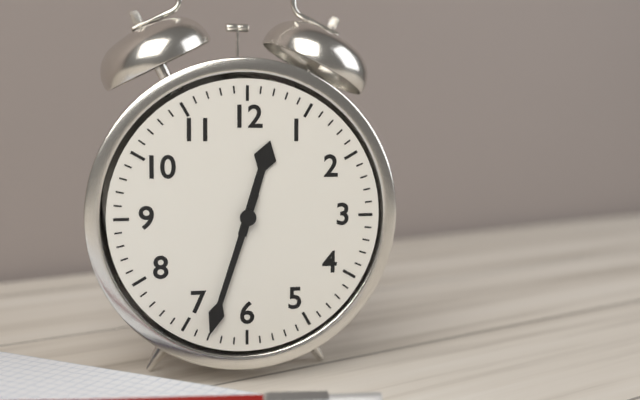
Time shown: {"hour": 12, "minute": 33}
